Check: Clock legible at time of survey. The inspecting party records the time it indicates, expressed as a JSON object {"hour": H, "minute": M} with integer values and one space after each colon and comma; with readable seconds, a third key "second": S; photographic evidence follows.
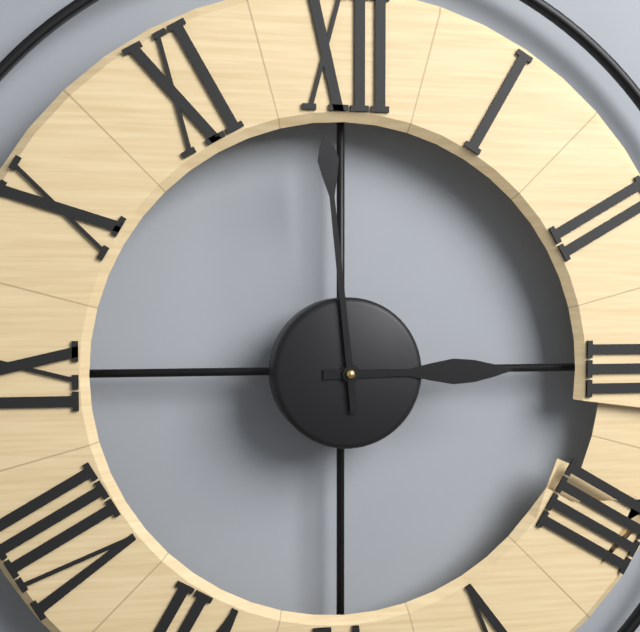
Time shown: {"hour": 2, "minute": 59}
